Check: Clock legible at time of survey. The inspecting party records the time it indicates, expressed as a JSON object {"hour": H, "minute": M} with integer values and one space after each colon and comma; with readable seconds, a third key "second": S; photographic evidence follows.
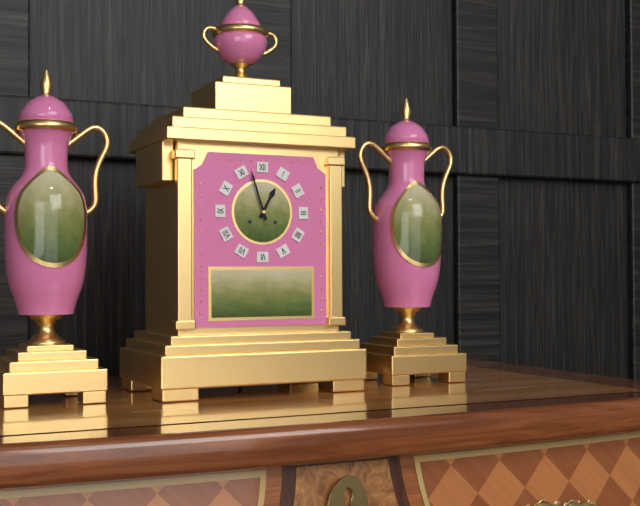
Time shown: {"hour": 12, "minute": 57}
